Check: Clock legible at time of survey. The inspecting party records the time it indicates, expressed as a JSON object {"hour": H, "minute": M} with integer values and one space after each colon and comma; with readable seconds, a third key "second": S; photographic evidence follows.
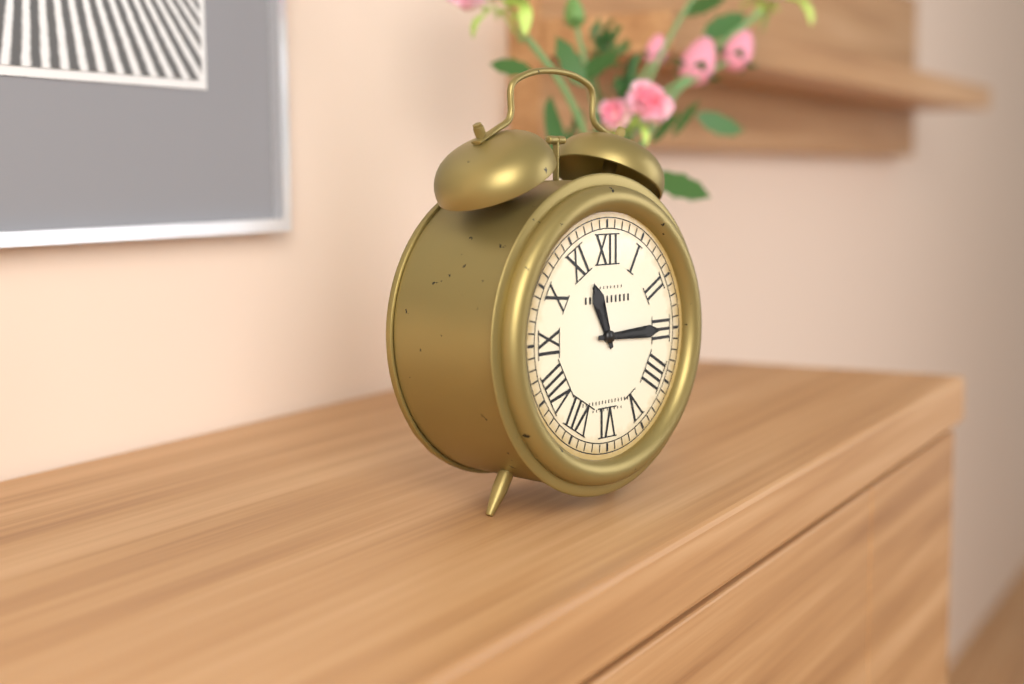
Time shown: {"hour": 11, "minute": 15}
